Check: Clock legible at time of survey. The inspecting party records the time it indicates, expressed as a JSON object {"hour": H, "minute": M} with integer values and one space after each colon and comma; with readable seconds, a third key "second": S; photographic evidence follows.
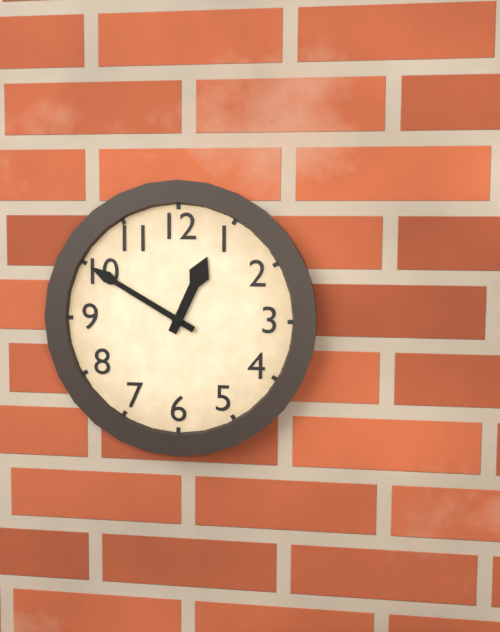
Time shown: {"hour": 12, "minute": 50}
